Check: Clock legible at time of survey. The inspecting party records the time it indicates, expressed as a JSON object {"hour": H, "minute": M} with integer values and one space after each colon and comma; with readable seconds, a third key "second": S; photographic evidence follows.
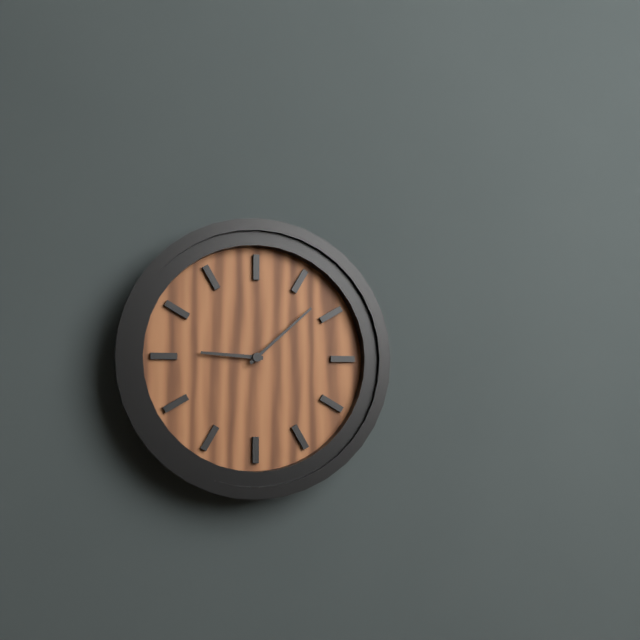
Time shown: {"hour": 9, "minute": 8}
